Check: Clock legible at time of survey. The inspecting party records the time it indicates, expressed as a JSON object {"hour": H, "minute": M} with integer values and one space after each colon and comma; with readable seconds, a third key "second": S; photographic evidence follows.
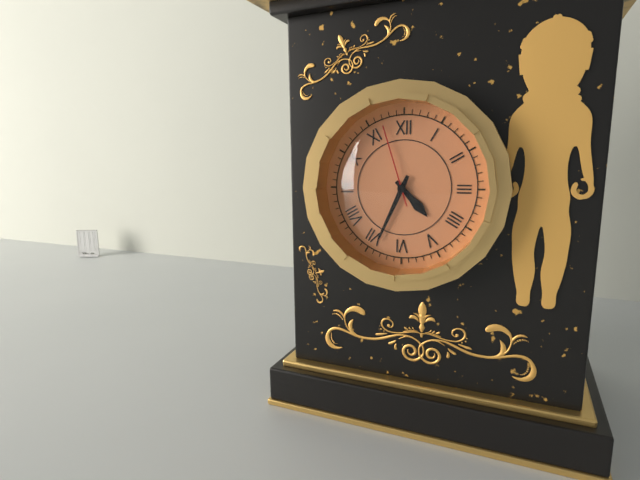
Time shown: {"hour": 4, "minute": 34, "second": 57}
